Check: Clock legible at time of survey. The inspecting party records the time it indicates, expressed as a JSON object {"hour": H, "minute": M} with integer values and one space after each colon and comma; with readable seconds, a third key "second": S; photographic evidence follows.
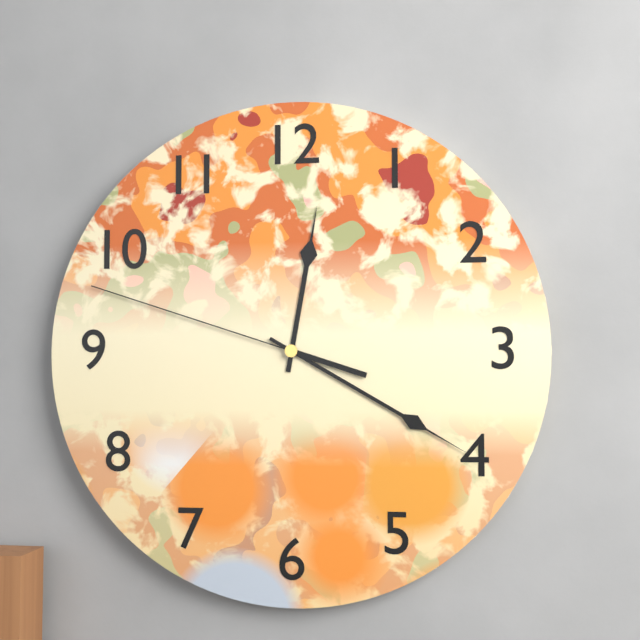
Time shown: {"hour": 12, "minute": 20, "second": 48}
